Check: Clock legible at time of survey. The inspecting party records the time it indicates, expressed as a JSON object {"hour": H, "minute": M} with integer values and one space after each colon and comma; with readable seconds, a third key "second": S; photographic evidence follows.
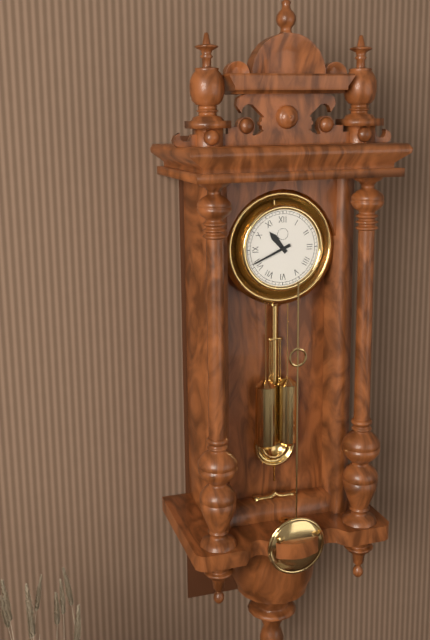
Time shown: {"hour": 10, "minute": 41}
